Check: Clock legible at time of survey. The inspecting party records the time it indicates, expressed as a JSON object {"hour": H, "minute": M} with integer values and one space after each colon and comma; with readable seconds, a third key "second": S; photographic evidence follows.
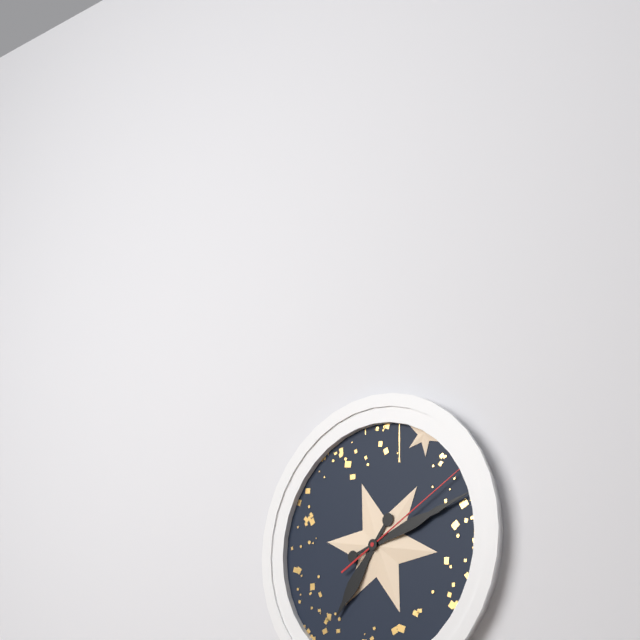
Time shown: {"hour": 7, "minute": 12, "second": 10}
